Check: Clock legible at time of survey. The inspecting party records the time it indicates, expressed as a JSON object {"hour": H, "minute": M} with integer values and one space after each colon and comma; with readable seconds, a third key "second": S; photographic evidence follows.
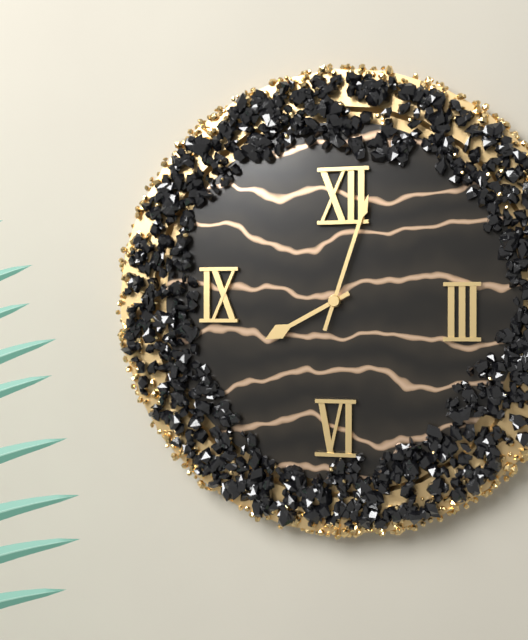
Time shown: {"hour": 8, "minute": 3}
